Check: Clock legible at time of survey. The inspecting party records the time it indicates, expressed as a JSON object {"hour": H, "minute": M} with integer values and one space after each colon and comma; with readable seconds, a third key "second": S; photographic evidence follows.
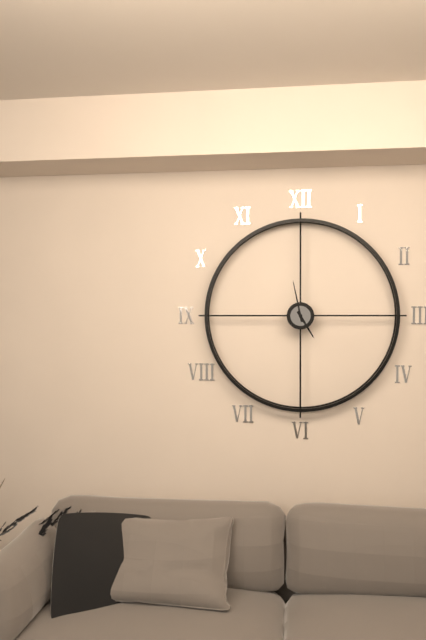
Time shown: {"hour": 4, "minute": 58}
